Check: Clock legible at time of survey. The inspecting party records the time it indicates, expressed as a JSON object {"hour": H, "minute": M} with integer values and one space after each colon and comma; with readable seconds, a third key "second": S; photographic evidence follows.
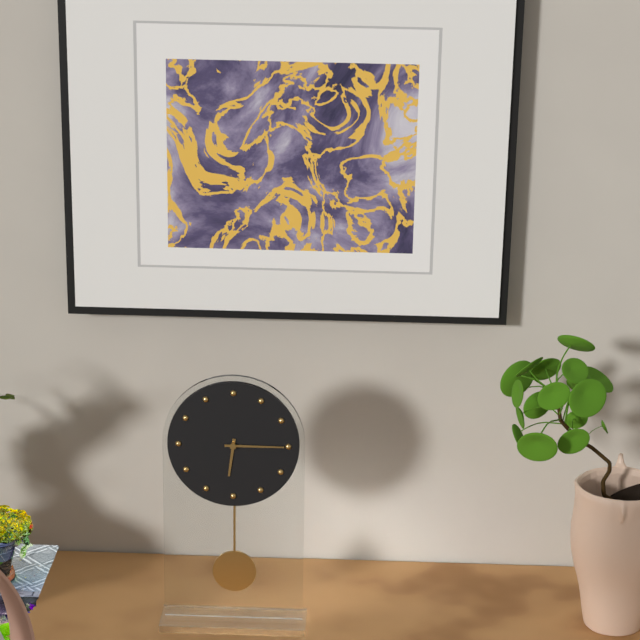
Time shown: {"hour": 6, "minute": 15}
